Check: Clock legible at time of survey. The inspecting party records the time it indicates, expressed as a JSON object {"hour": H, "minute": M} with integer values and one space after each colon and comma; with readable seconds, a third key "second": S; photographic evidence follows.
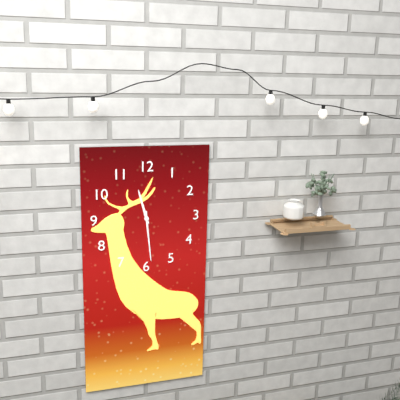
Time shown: {"hour": 11, "minute": 29}
